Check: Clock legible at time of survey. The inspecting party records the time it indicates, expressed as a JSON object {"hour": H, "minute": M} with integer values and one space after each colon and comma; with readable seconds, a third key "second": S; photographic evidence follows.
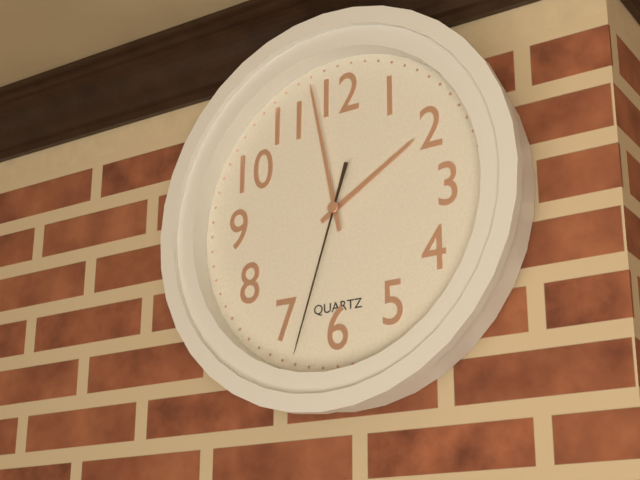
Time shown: {"hour": 1, "minute": 58, "second": 33}
